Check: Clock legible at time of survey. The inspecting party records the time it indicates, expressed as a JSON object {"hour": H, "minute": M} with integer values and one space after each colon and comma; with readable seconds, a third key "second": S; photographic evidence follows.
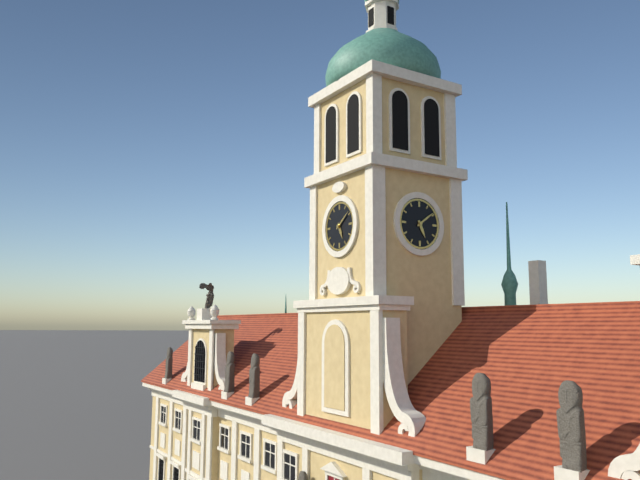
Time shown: {"hour": 5, "minute": 9}
